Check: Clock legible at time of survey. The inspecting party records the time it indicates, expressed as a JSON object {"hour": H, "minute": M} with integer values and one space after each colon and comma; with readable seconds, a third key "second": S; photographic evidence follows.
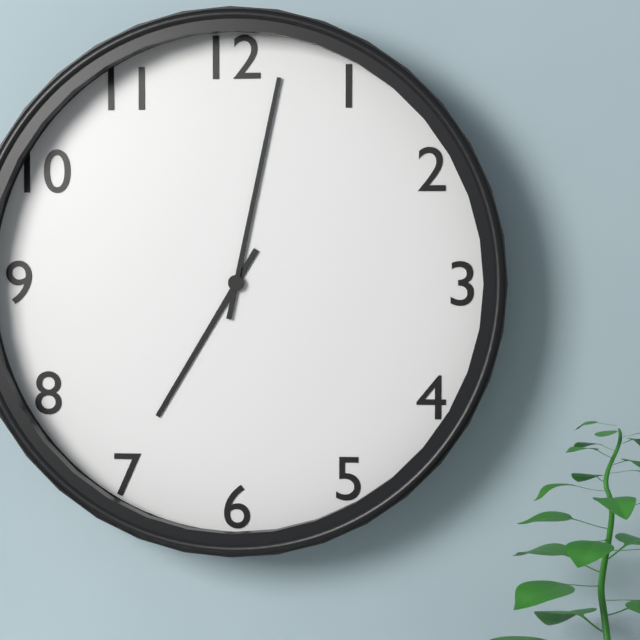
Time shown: {"hour": 7, "minute": 2}
